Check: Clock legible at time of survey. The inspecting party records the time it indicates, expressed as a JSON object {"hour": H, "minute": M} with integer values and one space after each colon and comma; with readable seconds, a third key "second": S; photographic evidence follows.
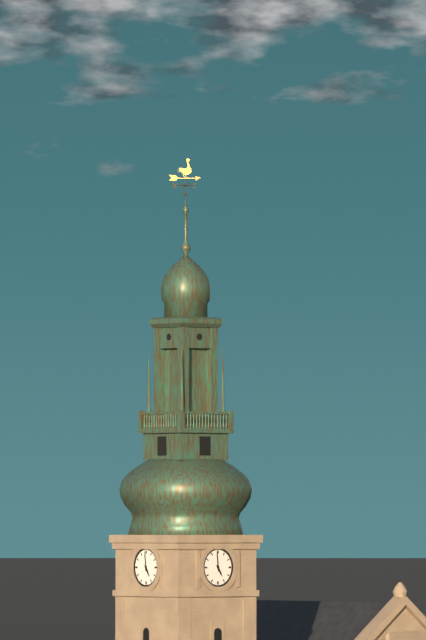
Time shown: {"hour": 4, "minute": 59}
